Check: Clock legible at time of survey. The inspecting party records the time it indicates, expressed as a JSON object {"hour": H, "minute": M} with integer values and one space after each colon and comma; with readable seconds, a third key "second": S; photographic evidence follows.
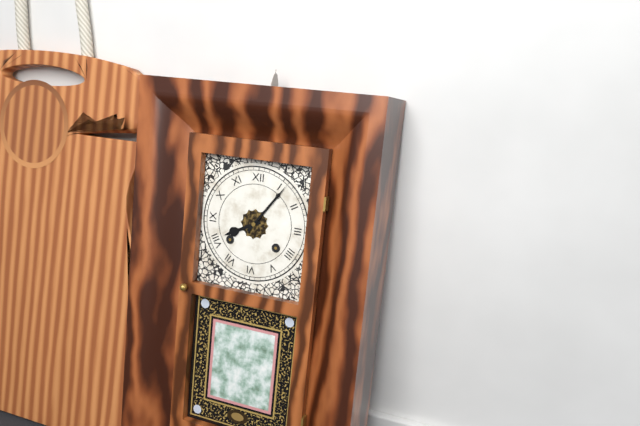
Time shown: {"hour": 8, "minute": 6}
